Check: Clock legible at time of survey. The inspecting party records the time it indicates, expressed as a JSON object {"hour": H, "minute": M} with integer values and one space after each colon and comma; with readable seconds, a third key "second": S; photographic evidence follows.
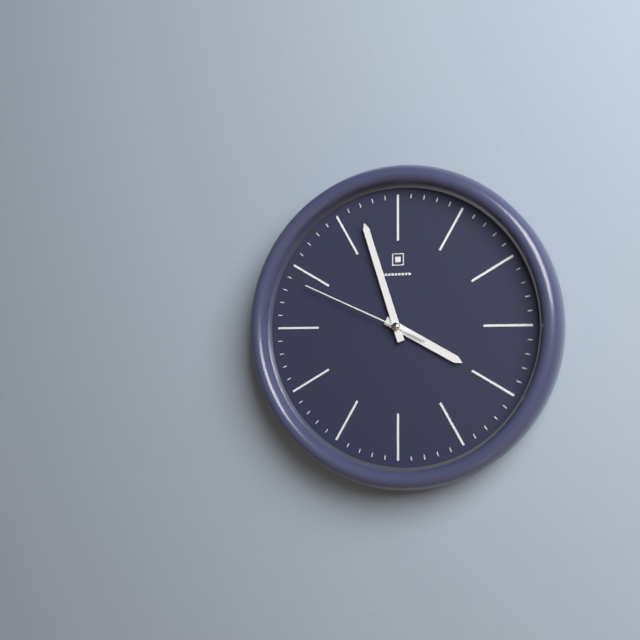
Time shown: {"hour": 3, "minute": 57, "second": 49}
